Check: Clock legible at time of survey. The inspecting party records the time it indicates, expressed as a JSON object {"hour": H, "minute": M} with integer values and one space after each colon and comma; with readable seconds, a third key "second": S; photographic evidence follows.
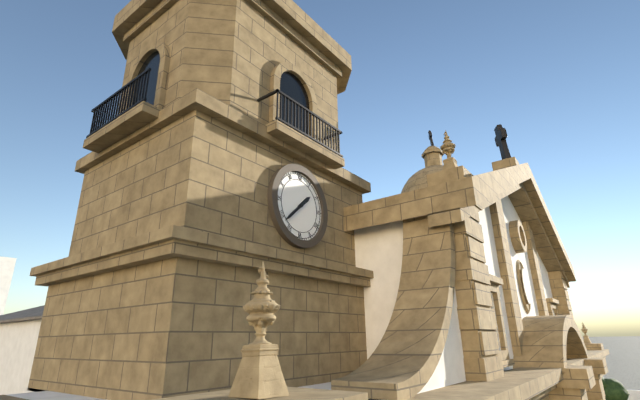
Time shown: {"hour": 1, "minute": 38}
